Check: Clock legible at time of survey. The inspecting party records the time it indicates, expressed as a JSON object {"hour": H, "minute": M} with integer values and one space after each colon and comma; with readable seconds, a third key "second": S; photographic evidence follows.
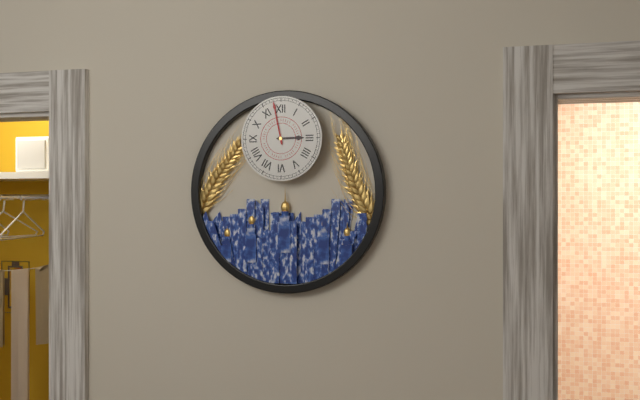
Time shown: {"hour": 2, "minute": 58}
